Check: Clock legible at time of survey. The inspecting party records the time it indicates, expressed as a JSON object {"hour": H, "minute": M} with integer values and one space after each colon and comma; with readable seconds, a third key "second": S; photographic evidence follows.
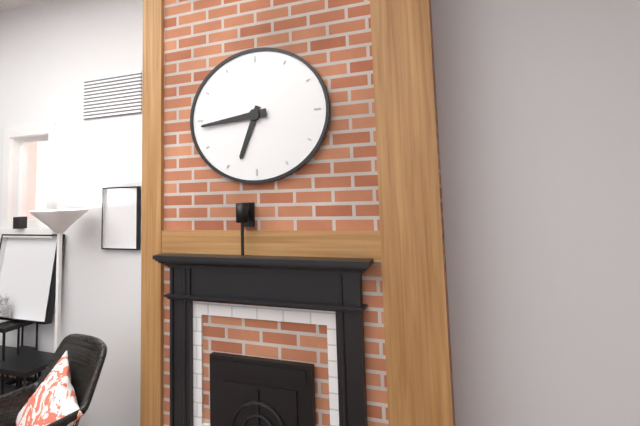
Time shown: {"hour": 6, "minute": 44}
